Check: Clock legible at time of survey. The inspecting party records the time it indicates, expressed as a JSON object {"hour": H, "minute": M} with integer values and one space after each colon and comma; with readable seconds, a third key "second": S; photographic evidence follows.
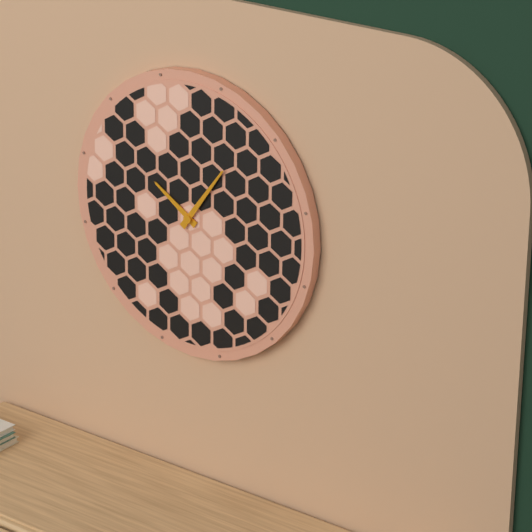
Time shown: {"hour": 10, "minute": 6}
